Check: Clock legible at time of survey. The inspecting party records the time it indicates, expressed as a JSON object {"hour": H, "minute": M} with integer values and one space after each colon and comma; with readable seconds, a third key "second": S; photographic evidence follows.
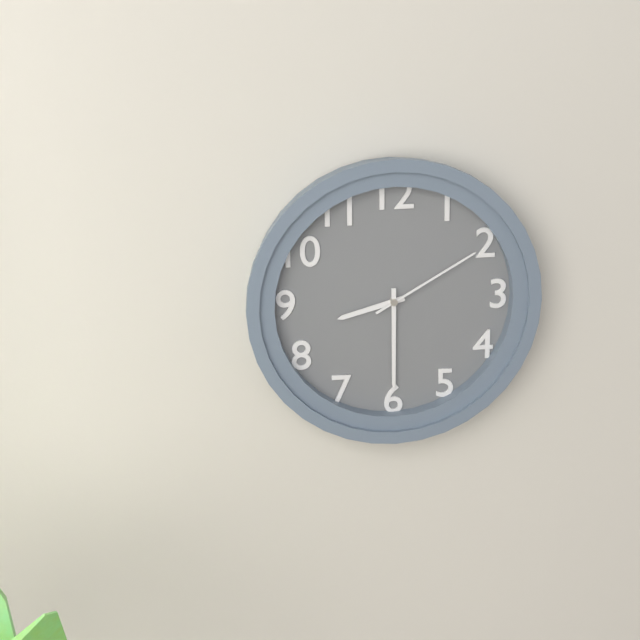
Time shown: {"hour": 8, "minute": 30, "second": 10}
